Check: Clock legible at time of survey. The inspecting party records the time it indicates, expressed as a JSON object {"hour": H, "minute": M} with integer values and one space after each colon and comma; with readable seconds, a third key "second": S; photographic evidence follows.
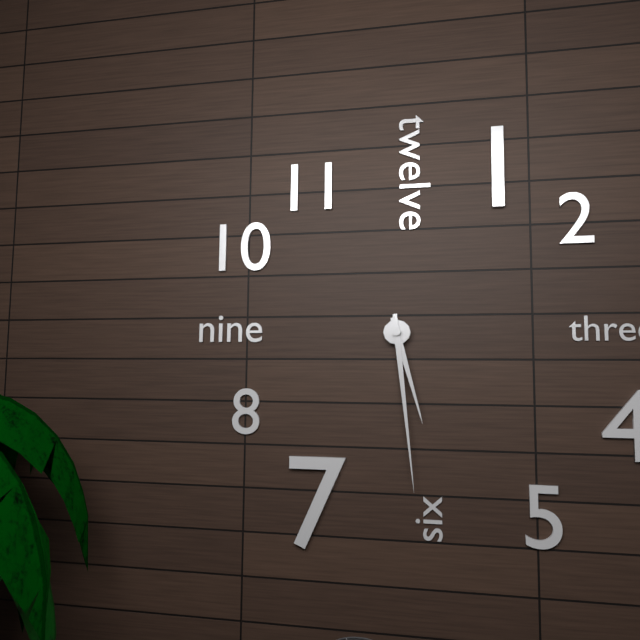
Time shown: {"hour": 5, "minute": 29}
